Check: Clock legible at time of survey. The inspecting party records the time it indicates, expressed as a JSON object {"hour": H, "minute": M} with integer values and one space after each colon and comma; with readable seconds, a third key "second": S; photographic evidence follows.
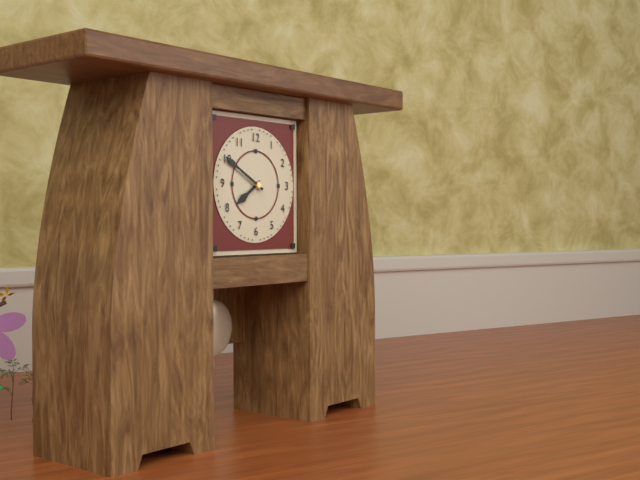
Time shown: {"hour": 7, "minute": 50}
